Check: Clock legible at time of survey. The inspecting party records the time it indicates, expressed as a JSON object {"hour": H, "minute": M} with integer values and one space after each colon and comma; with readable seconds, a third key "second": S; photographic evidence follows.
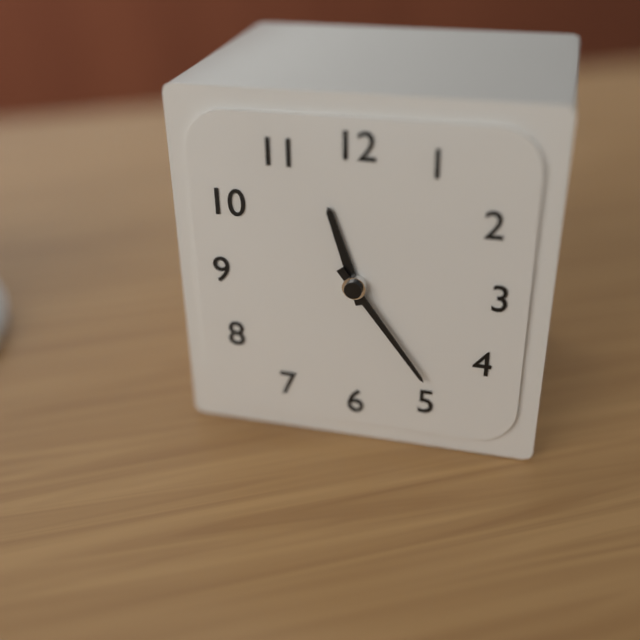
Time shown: {"hour": 11, "minute": 24}
